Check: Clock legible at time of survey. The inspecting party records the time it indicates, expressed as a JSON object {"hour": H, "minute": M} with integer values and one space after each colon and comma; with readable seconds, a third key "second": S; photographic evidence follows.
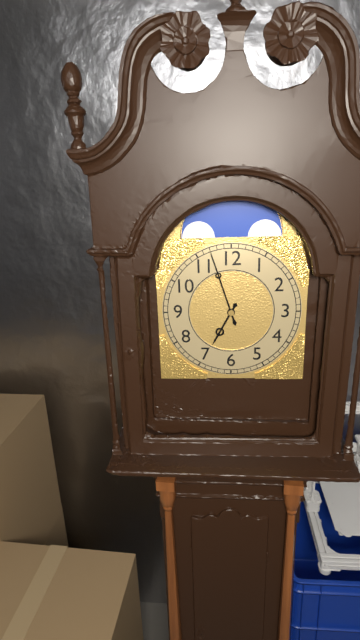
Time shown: {"hour": 6, "minute": 57}
